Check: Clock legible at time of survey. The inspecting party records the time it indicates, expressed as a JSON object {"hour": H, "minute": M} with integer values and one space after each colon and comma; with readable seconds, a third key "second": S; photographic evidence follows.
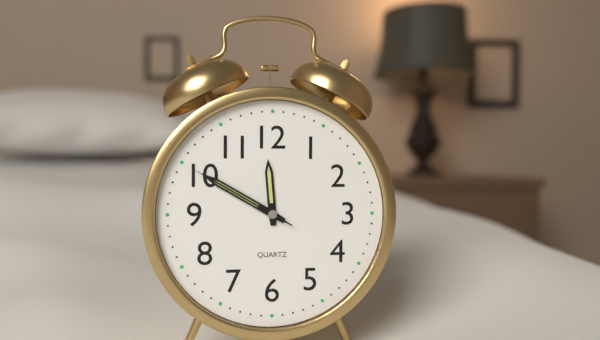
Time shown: {"hour": 11, "minute": 50, "second": 50}
